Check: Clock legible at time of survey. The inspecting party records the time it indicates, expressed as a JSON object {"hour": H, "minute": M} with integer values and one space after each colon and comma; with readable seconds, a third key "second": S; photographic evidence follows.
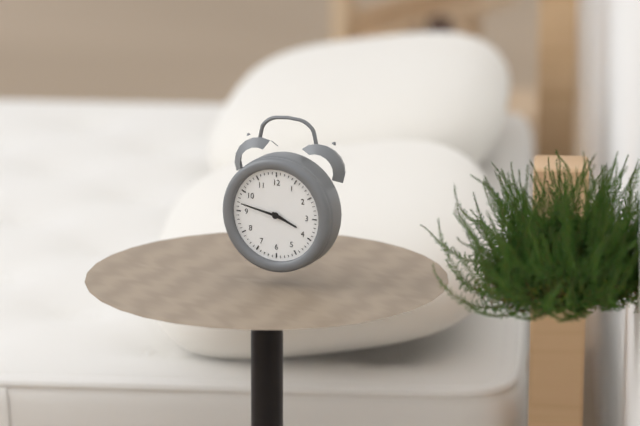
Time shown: {"hour": 3, "minute": 47}
